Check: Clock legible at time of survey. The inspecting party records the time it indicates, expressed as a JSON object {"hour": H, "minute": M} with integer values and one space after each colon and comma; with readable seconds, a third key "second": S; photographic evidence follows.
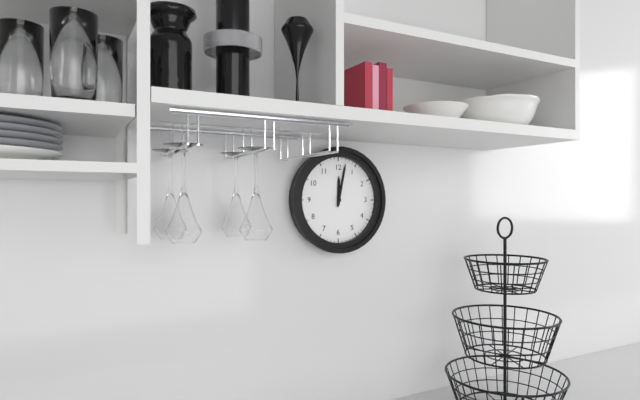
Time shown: {"hour": 12, "minute": 2}
